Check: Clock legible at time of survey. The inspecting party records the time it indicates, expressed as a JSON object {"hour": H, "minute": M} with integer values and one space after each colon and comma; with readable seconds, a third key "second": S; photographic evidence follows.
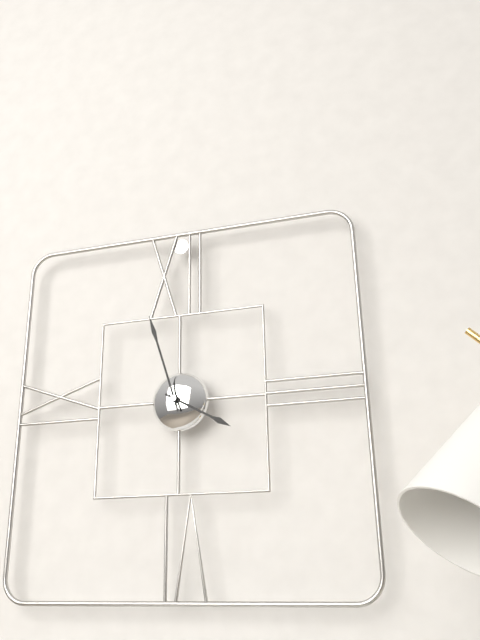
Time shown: {"hour": 3, "minute": 57}
